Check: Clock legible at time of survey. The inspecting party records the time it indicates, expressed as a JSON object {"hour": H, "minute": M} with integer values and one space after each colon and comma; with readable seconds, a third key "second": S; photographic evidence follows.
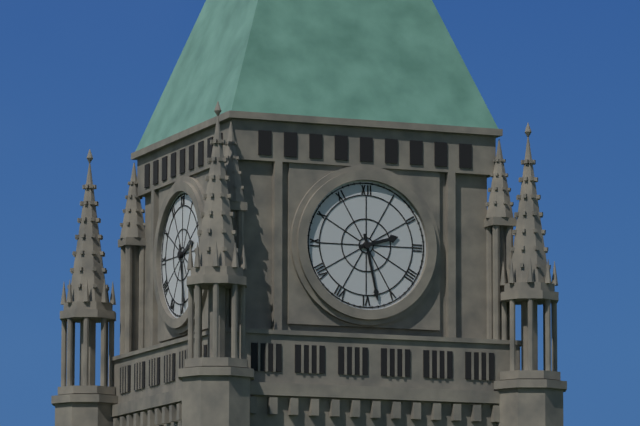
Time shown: {"hour": 2, "minute": 28}
